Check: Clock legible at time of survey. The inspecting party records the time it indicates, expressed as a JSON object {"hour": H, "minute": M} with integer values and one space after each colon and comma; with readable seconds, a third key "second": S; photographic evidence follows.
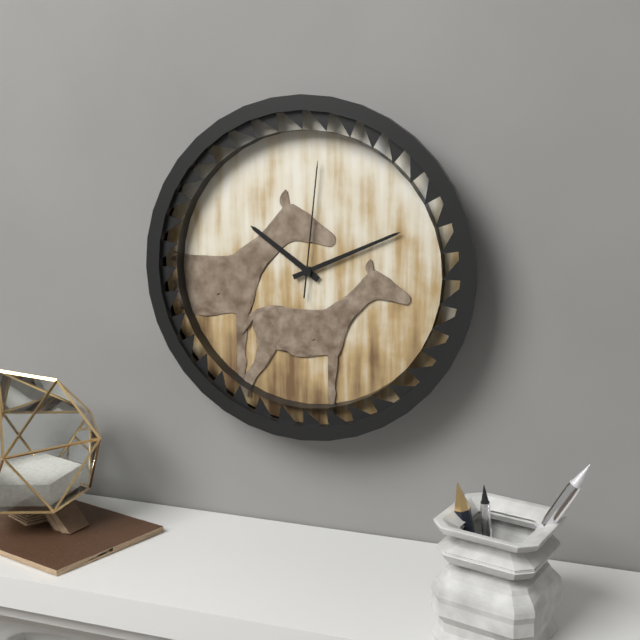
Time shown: {"hour": 10, "minute": 11, "second": 1}
